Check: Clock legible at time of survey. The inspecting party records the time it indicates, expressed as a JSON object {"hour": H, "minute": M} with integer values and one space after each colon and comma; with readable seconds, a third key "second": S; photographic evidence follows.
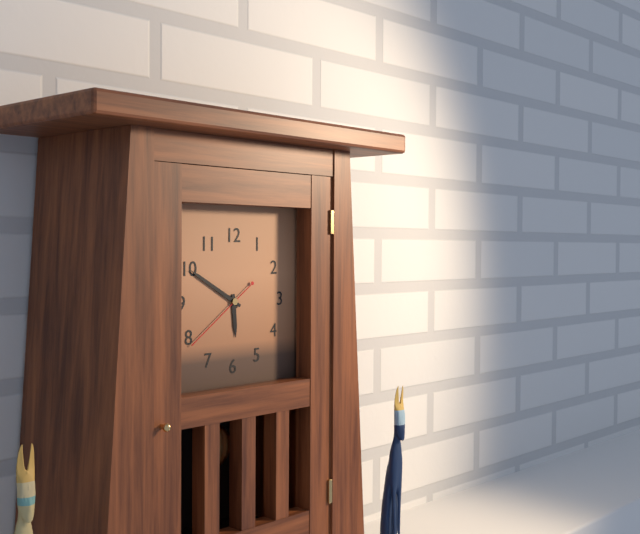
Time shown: {"hour": 5, "minute": 50, "second": 39}
